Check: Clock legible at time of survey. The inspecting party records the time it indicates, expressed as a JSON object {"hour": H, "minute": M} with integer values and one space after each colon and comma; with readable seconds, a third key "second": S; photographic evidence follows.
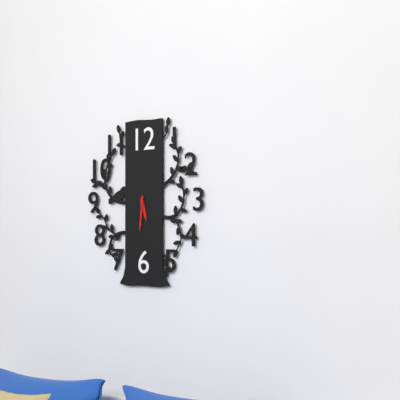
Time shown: {"hour": 5, "minute": 31}
